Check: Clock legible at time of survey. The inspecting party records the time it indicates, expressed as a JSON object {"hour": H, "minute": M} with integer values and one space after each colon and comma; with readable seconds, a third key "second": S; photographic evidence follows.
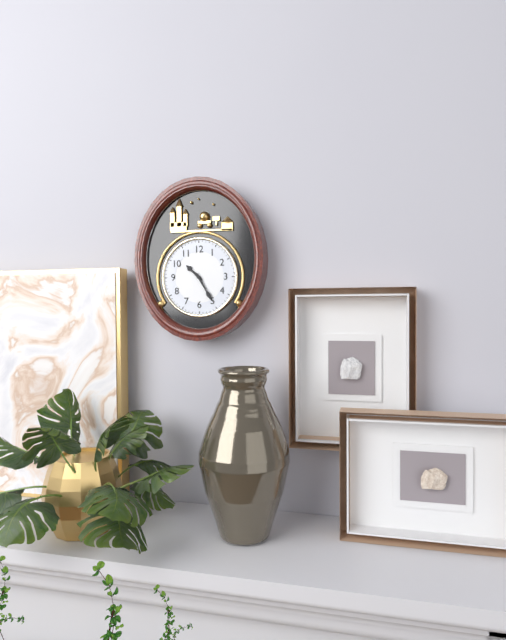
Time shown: {"hour": 10, "minute": 25}
